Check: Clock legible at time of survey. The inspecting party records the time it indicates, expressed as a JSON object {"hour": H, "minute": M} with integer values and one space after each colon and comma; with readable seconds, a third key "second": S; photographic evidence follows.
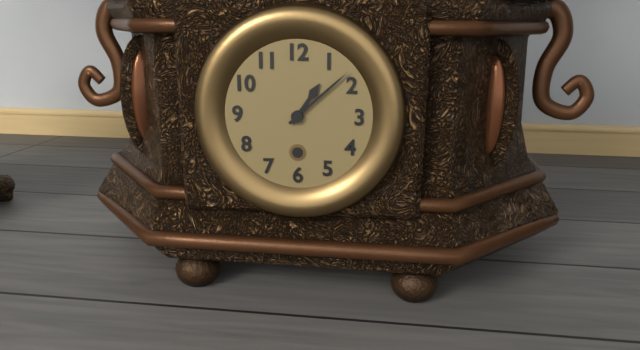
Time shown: {"hour": 1, "minute": 8}
